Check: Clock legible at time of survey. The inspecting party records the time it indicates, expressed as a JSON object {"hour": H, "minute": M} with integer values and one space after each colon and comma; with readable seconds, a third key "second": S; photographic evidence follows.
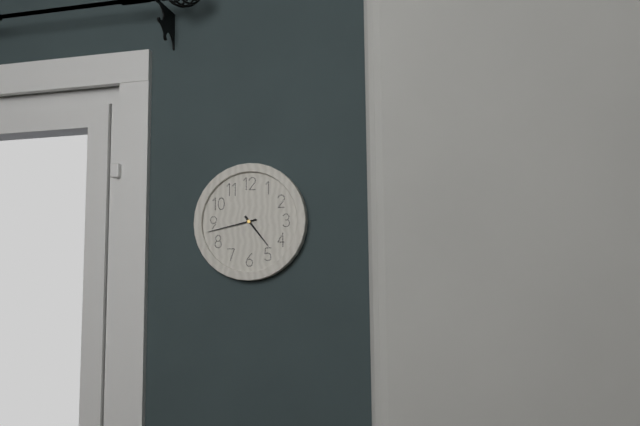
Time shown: {"hour": 4, "minute": 43}
